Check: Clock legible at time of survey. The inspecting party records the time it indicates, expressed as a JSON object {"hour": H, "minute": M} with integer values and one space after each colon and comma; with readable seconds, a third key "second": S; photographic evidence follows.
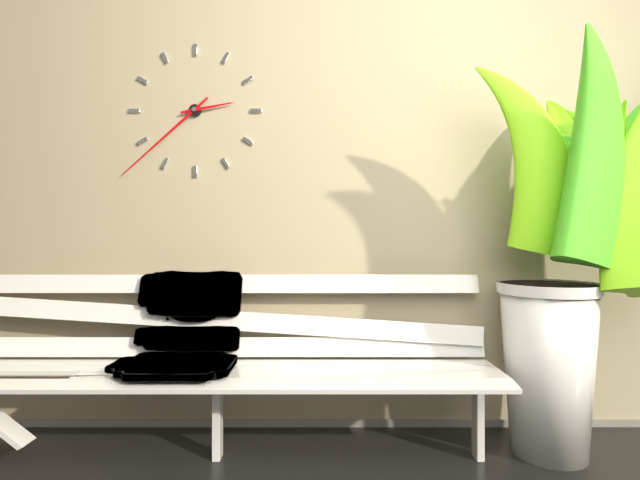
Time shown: {"hour": 2, "minute": 38}
